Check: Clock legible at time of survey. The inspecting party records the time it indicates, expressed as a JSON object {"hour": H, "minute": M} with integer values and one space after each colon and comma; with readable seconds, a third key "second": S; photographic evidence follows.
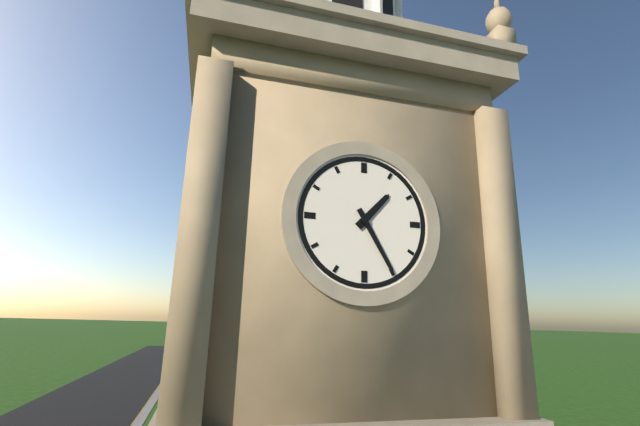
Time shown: {"hour": 1, "minute": 25}
